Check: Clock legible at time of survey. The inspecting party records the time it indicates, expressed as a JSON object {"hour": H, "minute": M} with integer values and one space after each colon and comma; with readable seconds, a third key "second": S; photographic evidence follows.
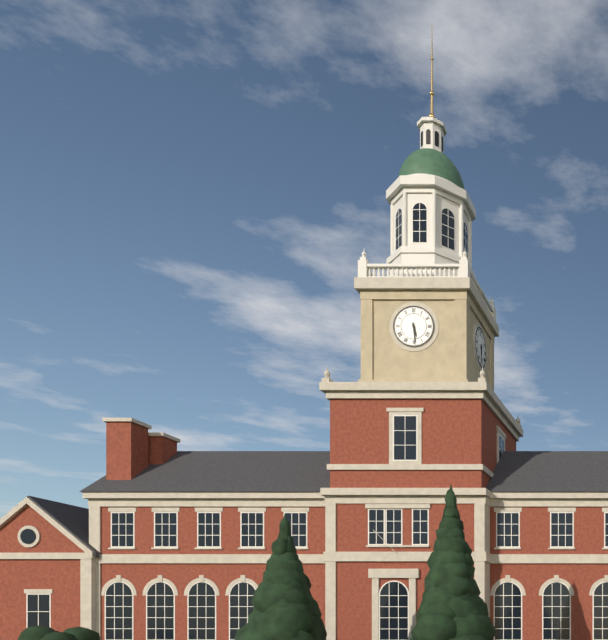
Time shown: {"hour": 5, "minute": 29}
